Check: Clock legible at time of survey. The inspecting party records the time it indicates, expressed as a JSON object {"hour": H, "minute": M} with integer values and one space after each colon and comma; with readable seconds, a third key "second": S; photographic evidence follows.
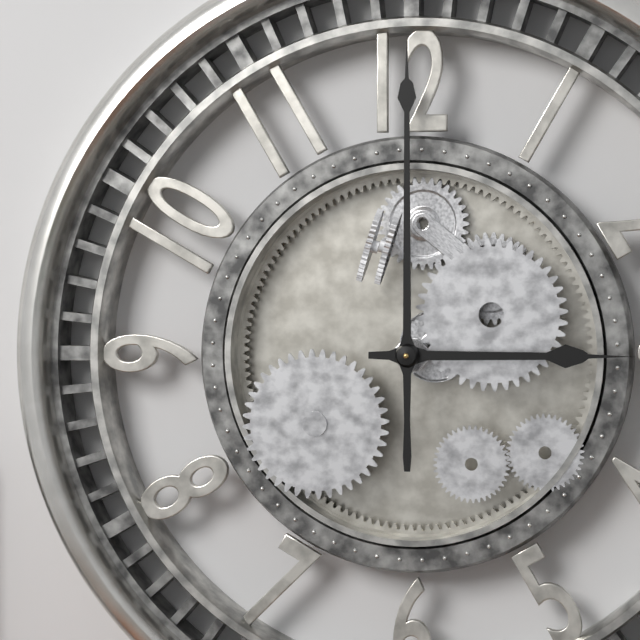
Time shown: {"hour": 3, "minute": 0}
